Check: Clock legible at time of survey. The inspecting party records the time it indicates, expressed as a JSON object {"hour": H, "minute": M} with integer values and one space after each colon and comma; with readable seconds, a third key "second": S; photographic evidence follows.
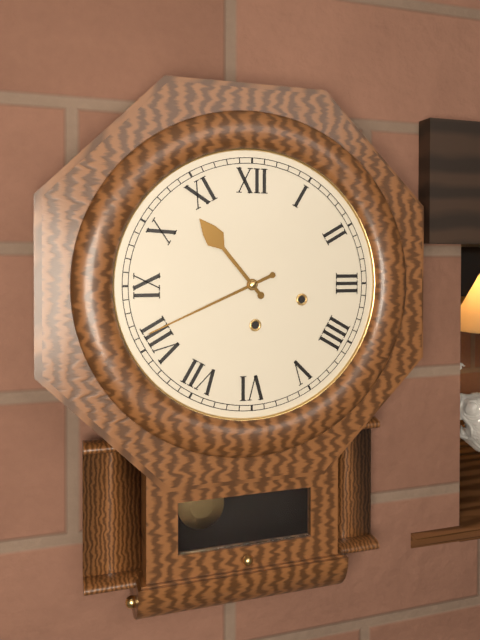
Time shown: {"hour": 10, "minute": 41}
